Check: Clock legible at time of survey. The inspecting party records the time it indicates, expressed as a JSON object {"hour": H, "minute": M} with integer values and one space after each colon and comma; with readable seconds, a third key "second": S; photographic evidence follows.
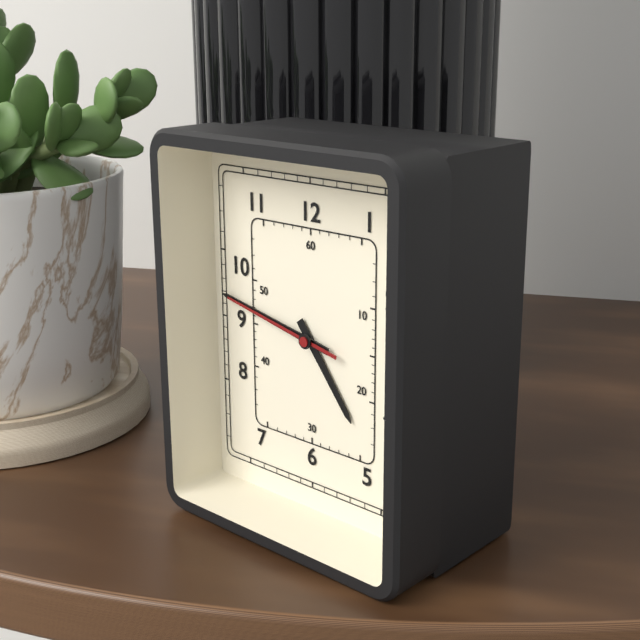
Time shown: {"hour": 4, "minute": 47, "second": 47}
